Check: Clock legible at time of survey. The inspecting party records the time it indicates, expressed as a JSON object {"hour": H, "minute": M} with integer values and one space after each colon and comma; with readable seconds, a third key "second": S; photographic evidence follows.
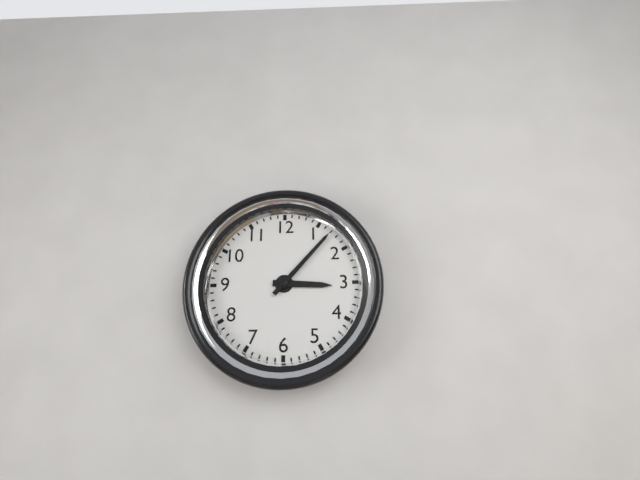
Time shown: {"hour": 3, "minute": 7}
